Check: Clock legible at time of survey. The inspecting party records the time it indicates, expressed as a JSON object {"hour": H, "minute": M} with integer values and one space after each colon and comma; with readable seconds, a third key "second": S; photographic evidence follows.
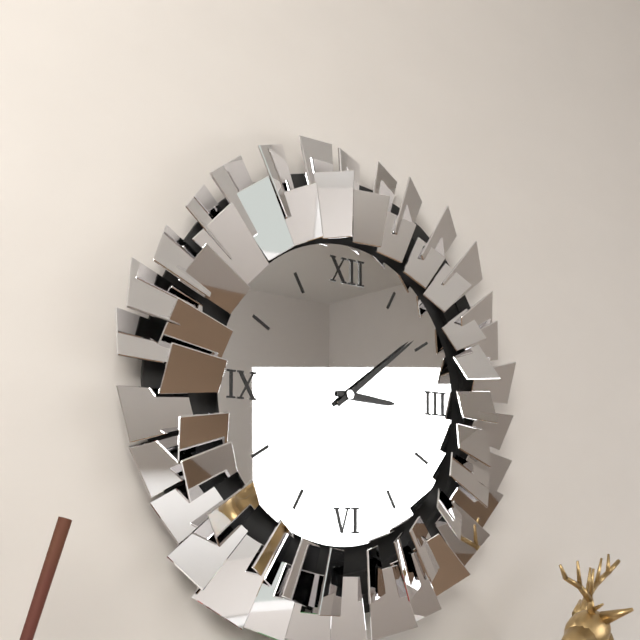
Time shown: {"hour": 3, "minute": 9}
